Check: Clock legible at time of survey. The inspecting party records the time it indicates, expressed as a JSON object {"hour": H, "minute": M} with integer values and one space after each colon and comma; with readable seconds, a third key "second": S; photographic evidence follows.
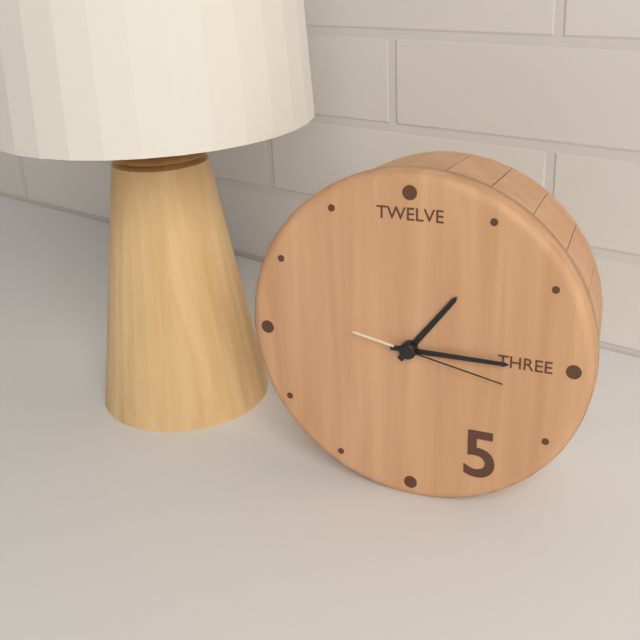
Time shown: {"hour": 1, "minute": 15, "second": 17}
